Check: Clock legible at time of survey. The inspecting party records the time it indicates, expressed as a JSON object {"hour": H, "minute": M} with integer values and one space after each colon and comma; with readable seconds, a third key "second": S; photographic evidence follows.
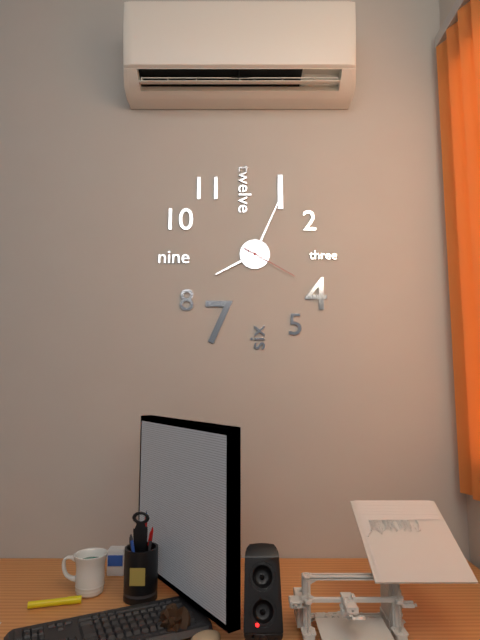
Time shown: {"hour": 8, "minute": 4, "second": 20}
